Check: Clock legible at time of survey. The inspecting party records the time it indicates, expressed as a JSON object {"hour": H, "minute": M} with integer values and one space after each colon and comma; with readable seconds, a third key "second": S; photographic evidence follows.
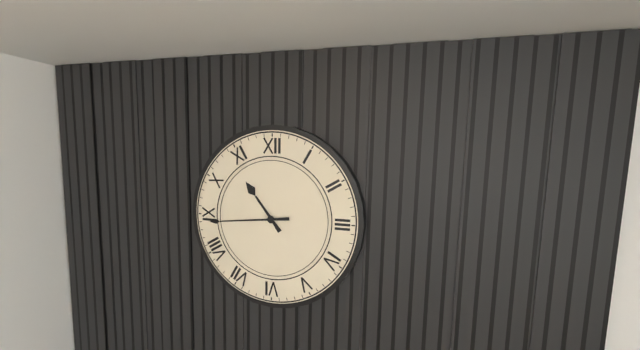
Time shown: {"hour": 10, "minute": 44}
